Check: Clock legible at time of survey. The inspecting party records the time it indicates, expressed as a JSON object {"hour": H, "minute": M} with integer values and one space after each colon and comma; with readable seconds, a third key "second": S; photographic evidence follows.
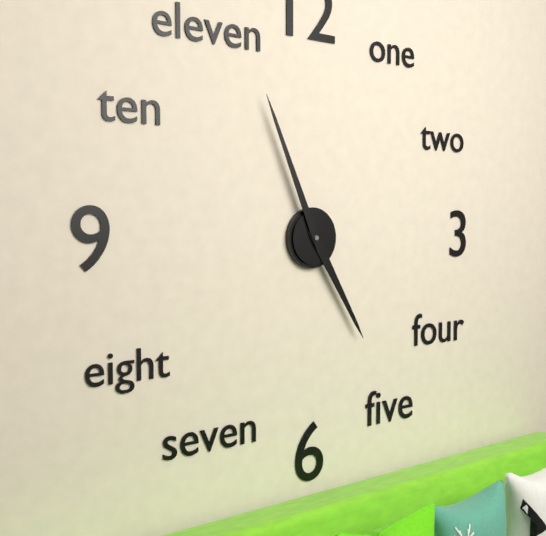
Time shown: {"hour": 4, "minute": 56}
